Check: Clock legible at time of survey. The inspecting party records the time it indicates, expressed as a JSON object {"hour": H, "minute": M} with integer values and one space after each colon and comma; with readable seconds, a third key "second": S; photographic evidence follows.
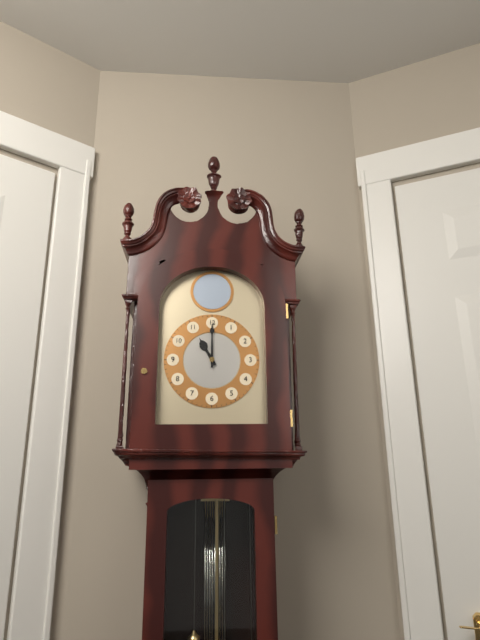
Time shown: {"hour": 11, "minute": 0}
